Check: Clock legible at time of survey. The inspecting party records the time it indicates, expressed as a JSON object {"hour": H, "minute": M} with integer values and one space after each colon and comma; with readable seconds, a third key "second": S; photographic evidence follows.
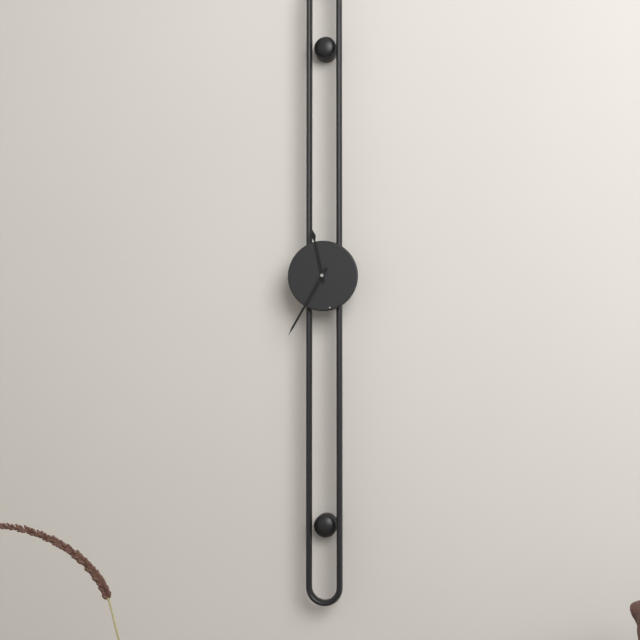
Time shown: {"hour": 11, "minute": 35}
